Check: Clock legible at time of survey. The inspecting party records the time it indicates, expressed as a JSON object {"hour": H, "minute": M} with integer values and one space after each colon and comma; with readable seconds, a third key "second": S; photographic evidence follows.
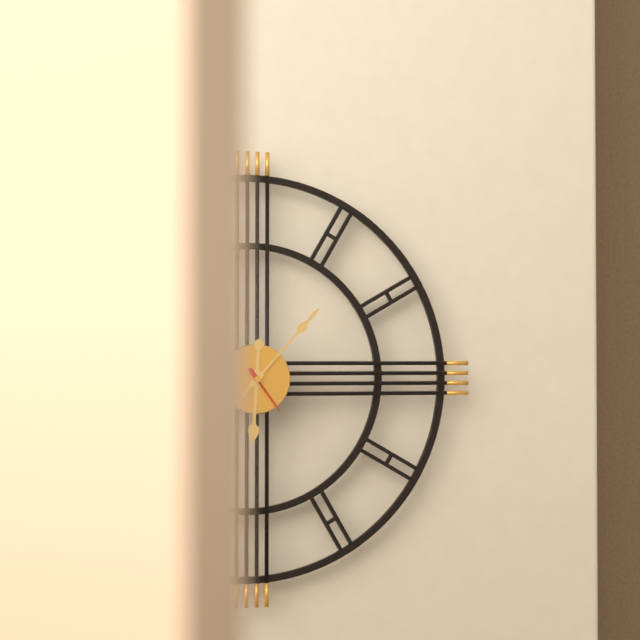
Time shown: {"hour": 6, "minute": 7, "second": 24}
